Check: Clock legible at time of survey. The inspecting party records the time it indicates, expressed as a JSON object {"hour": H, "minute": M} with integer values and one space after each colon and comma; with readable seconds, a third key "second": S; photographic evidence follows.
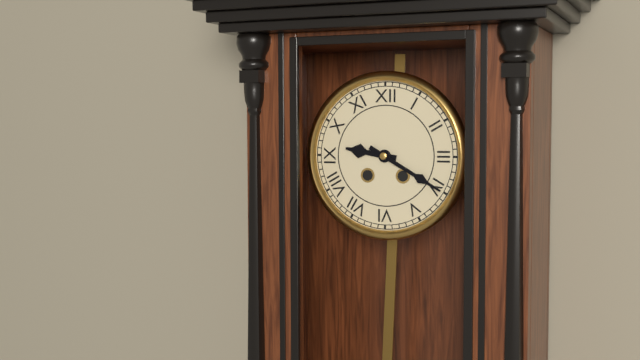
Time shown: {"hour": 9, "minute": 20}
